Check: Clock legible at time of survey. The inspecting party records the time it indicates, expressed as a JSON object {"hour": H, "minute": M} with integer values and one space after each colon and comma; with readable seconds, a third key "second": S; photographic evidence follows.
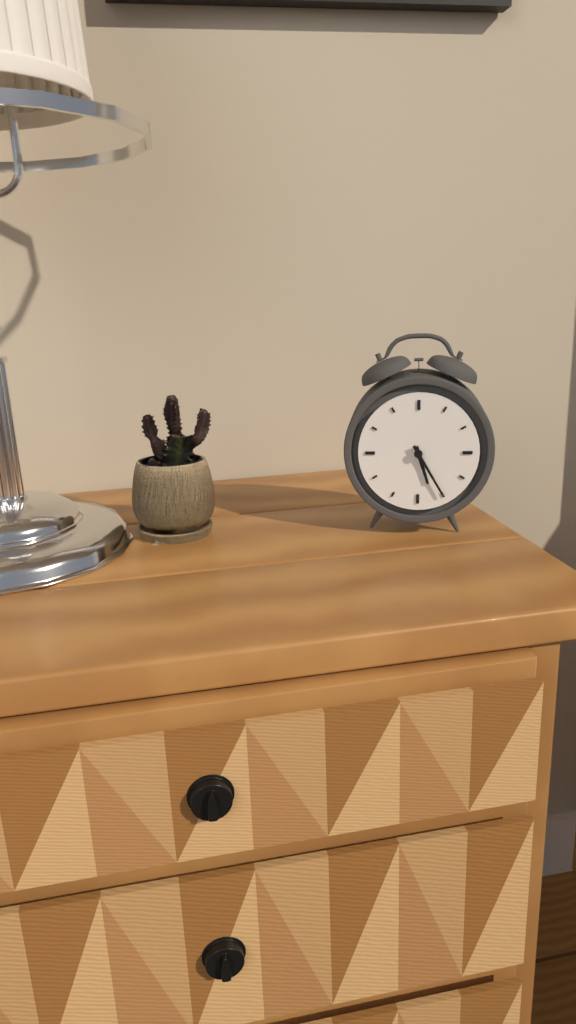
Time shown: {"hour": 5, "minute": 25}
